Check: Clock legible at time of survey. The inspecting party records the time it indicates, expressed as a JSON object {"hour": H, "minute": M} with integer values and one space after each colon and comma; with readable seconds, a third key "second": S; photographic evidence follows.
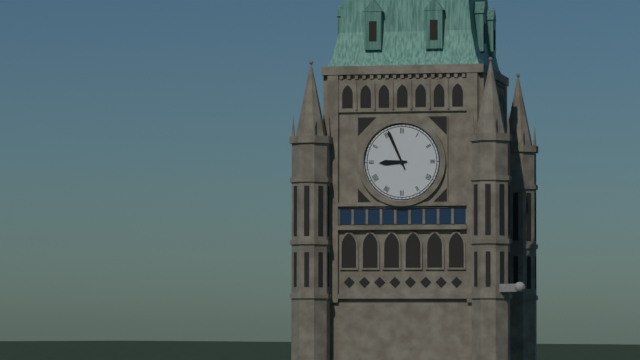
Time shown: {"hour": 8, "minute": 56}
